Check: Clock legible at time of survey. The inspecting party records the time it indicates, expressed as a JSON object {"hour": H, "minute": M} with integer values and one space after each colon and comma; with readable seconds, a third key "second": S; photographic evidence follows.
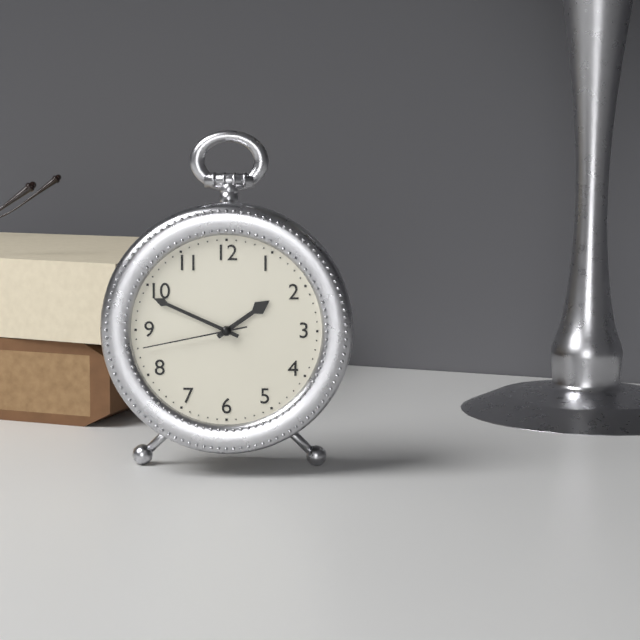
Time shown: {"hour": 1, "minute": 49, "second": 43}
